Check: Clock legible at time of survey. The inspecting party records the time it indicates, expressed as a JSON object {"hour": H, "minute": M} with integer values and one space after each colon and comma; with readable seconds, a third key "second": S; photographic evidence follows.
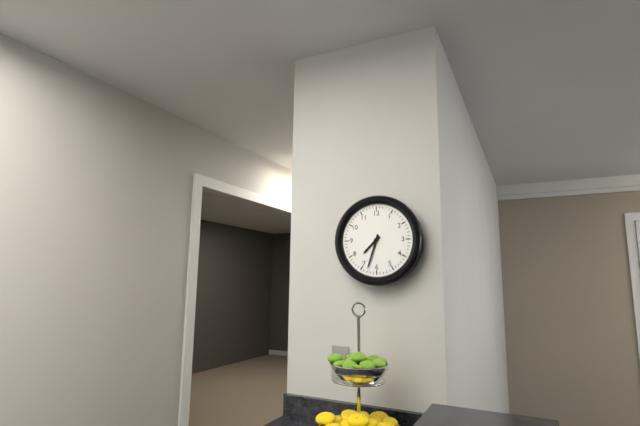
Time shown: {"hour": 7, "minute": 33}
